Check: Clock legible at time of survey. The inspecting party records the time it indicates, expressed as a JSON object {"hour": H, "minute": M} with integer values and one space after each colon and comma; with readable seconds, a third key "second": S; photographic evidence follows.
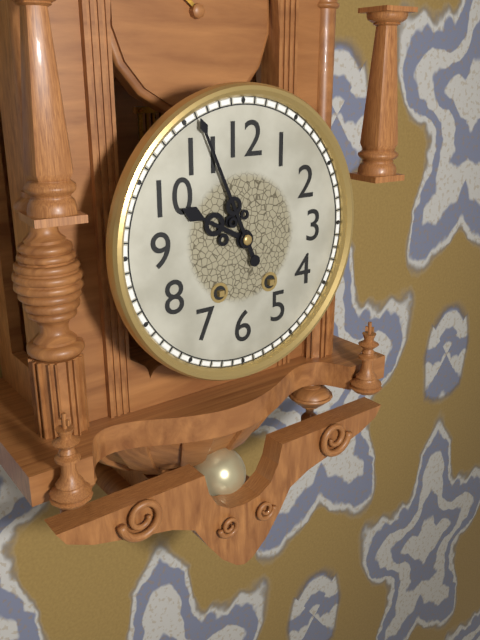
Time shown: {"hour": 9, "minute": 56}
